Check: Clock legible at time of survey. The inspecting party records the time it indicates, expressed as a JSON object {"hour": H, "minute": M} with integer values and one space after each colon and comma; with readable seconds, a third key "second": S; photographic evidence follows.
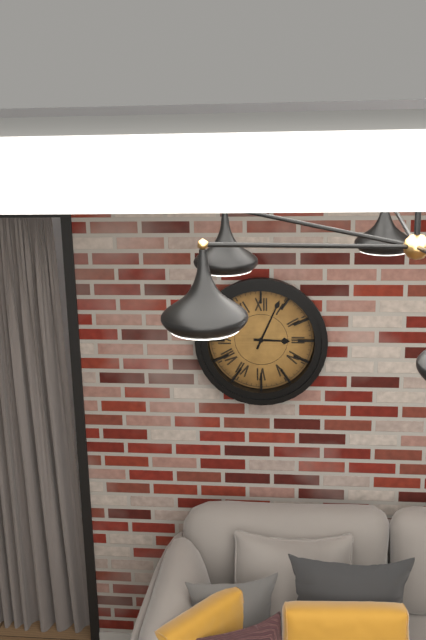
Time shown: {"hour": 3, "minute": 4}
